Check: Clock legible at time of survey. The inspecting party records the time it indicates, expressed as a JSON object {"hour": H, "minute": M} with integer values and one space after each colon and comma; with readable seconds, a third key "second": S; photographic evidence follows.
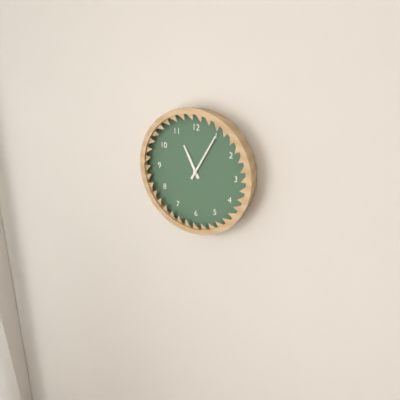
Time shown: {"hour": 11, "minute": 5}
